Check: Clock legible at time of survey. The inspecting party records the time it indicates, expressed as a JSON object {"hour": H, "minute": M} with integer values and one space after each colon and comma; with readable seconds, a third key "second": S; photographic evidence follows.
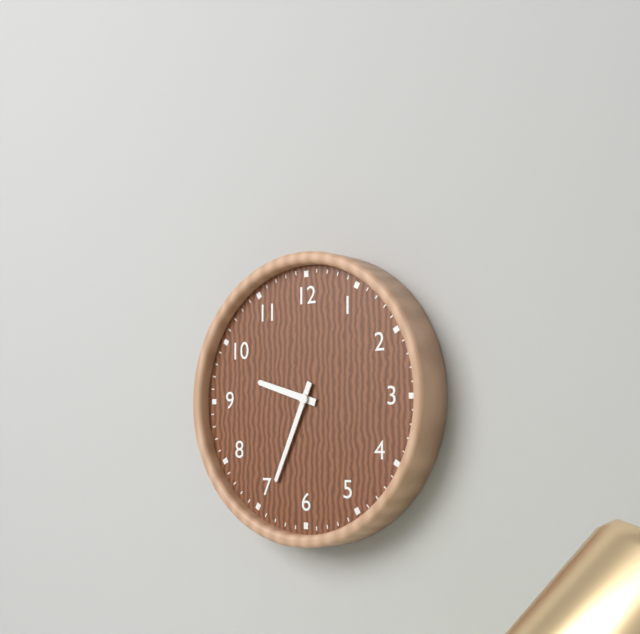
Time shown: {"hour": 9, "minute": 34}
